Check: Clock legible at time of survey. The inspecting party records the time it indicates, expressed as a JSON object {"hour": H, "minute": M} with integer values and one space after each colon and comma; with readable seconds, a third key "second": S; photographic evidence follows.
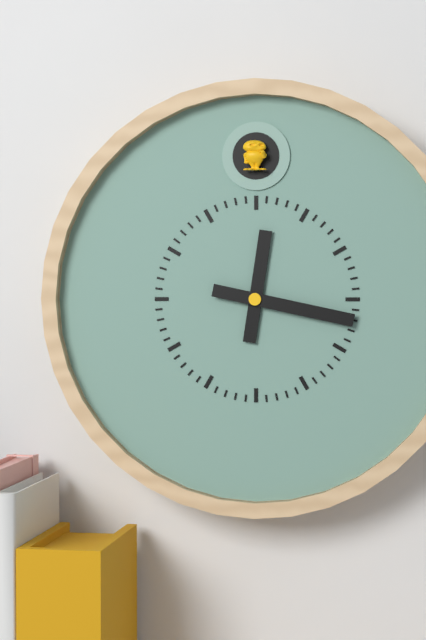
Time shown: {"hour": 12, "minute": 17}
